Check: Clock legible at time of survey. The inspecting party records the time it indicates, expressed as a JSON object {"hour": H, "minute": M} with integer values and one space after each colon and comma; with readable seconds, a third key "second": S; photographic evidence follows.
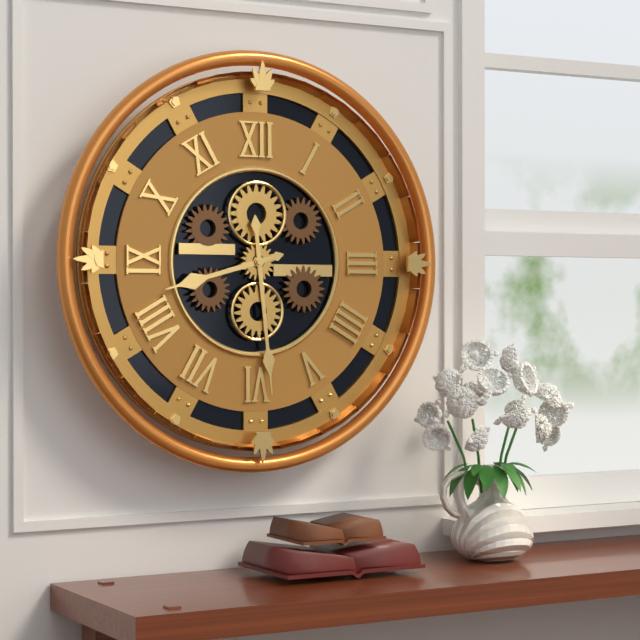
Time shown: {"hour": 8, "minute": 29}
